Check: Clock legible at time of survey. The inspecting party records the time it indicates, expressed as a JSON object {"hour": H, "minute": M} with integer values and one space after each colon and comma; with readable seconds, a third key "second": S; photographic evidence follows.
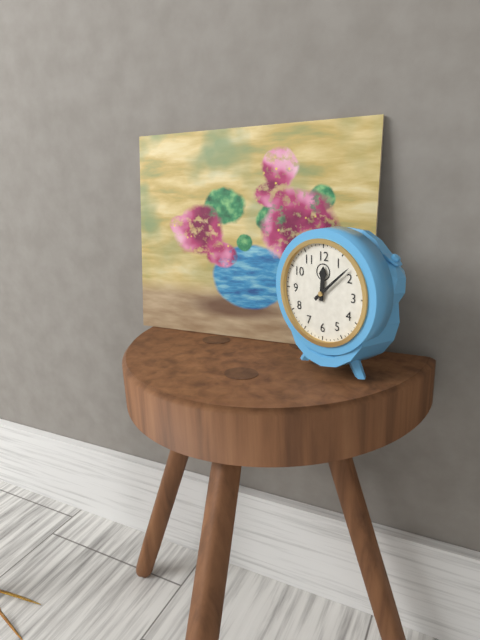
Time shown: {"hour": 12, "minute": 8}
